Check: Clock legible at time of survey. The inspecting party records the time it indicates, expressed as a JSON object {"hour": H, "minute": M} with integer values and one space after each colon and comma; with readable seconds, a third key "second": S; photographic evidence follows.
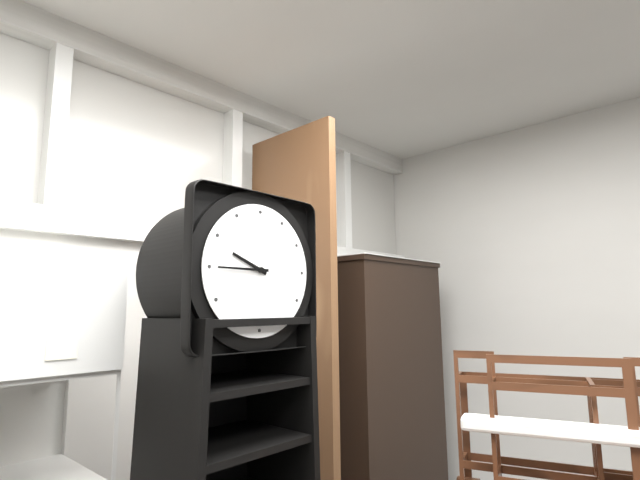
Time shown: {"hour": 9, "minute": 45}
